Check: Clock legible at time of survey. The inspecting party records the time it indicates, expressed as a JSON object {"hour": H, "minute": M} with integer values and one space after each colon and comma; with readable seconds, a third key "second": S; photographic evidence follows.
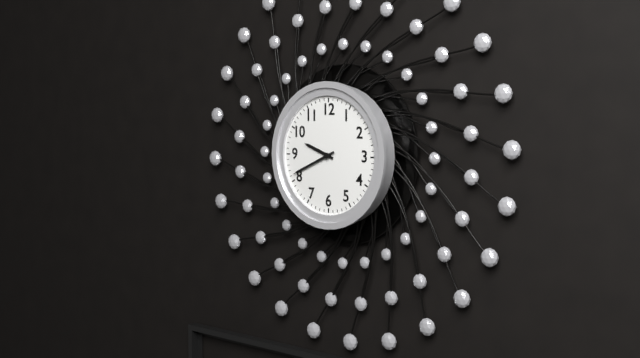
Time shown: {"hour": 9, "minute": 41}
